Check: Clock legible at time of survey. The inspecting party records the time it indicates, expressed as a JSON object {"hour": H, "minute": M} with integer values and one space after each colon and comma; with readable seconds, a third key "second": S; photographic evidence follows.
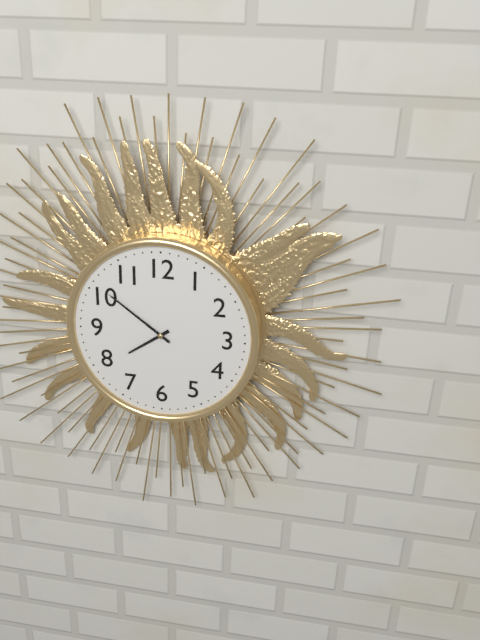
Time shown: {"hour": 7, "minute": 51}
